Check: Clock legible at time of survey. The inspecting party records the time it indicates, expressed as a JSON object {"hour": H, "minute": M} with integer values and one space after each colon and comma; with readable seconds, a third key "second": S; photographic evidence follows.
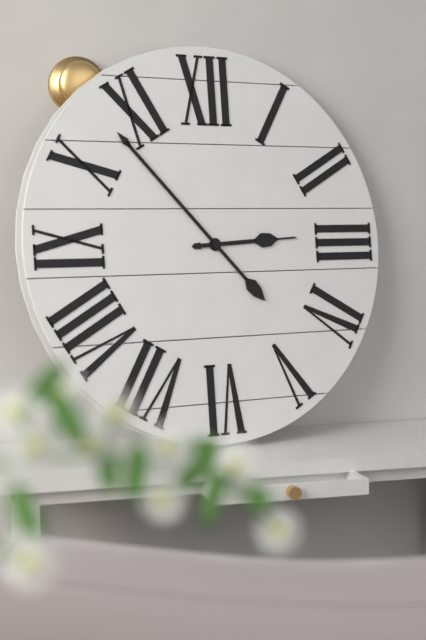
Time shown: {"hour": 2, "minute": 53}
